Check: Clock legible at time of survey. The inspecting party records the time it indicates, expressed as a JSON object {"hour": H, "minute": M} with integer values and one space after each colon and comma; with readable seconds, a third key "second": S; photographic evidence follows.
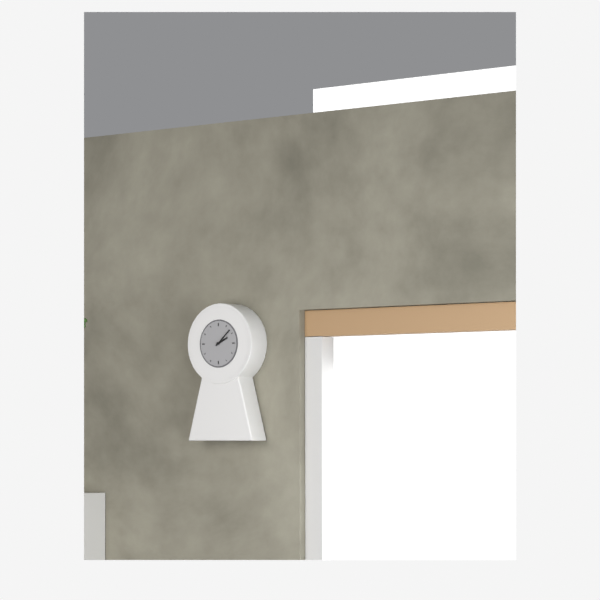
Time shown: {"hour": 2, "minute": 8}
